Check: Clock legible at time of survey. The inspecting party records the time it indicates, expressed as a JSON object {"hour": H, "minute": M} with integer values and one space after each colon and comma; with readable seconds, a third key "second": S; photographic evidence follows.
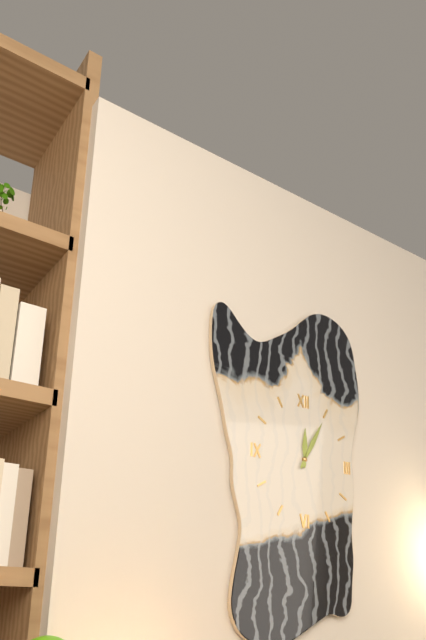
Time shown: {"hour": 12, "minute": 5}
